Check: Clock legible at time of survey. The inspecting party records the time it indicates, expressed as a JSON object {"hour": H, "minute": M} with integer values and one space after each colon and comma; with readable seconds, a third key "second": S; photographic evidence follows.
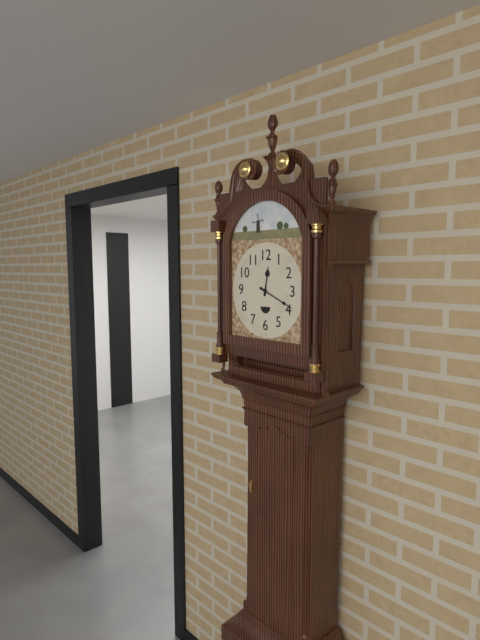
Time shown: {"hour": 12, "minute": 19}
